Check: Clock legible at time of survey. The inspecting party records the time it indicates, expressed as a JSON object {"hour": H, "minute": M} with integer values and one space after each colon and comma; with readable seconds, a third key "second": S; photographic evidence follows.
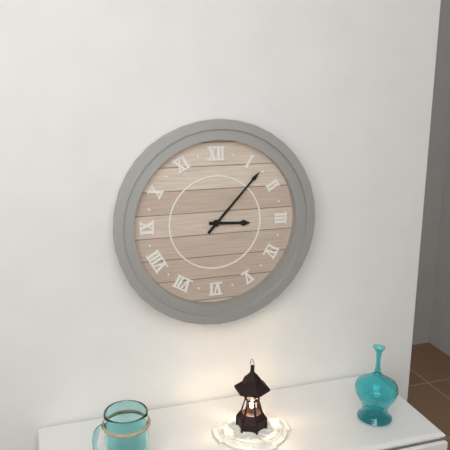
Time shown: {"hour": 3, "minute": 7}
